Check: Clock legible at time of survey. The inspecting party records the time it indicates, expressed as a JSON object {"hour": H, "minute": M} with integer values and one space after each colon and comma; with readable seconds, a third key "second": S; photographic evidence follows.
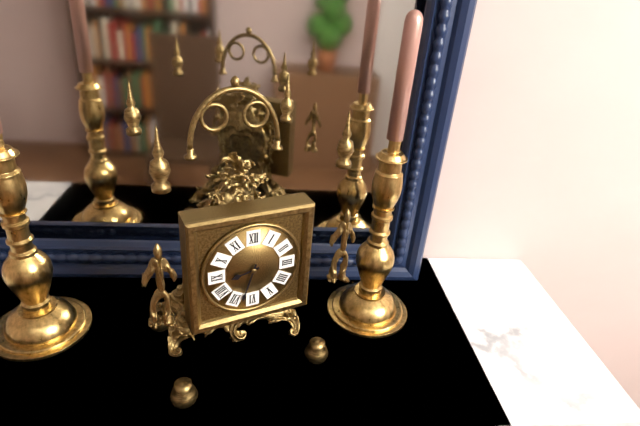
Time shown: {"hour": 8, "minute": 33}
